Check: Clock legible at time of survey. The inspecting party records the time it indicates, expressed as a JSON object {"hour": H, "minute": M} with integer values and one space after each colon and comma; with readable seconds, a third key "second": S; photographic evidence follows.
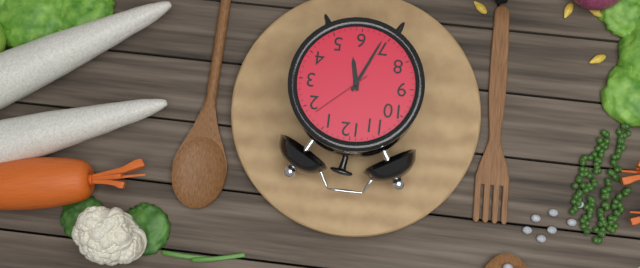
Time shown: {"hour": 5, "minute": 34, "second": 8}
